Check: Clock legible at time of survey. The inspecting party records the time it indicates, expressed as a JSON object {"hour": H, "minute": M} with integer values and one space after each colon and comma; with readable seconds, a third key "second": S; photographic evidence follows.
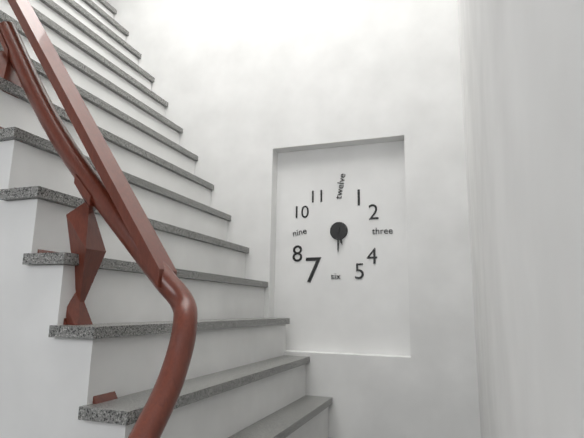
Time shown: {"hour": 5, "minute": 30}
